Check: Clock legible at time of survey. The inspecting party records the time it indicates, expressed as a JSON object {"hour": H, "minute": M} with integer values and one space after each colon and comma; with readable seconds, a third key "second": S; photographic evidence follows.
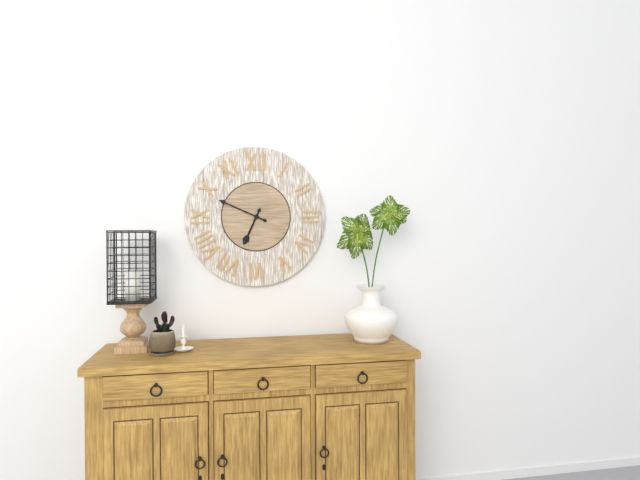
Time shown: {"hour": 6, "minute": 49}
